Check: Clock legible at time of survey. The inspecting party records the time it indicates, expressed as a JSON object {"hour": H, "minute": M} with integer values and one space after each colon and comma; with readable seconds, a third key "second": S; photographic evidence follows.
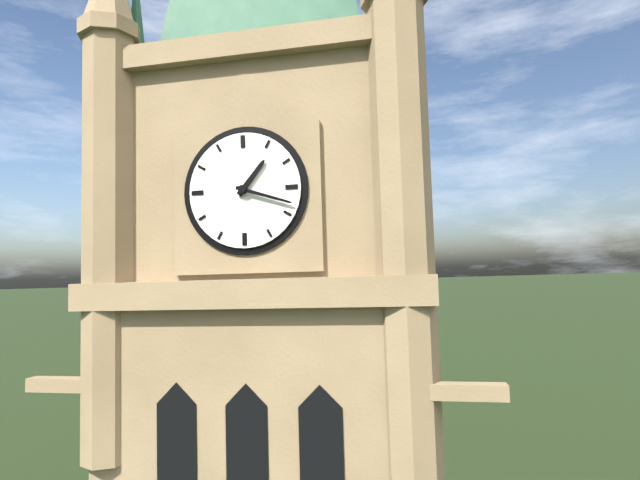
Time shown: {"hour": 1, "minute": 18}
